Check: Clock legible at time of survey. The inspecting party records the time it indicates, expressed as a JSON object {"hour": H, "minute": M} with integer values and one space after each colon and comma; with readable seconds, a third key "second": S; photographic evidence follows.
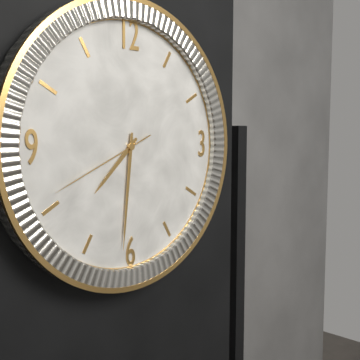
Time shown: {"hour": 7, "minute": 31, "second": 41}
